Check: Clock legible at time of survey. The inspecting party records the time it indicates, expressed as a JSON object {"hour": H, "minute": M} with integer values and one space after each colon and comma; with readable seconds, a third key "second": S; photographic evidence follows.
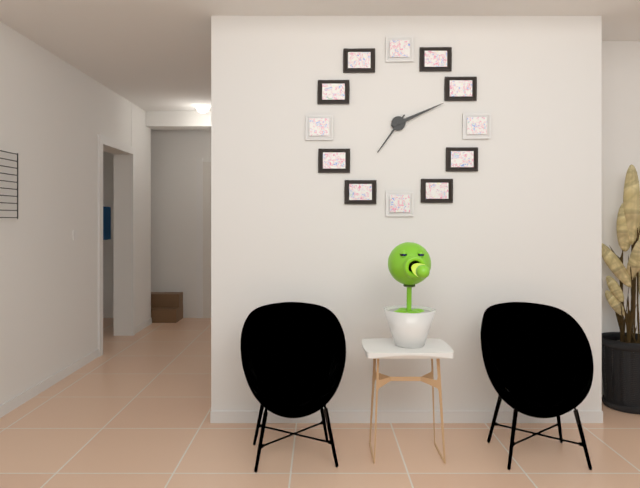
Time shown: {"hour": 7, "minute": 11}
